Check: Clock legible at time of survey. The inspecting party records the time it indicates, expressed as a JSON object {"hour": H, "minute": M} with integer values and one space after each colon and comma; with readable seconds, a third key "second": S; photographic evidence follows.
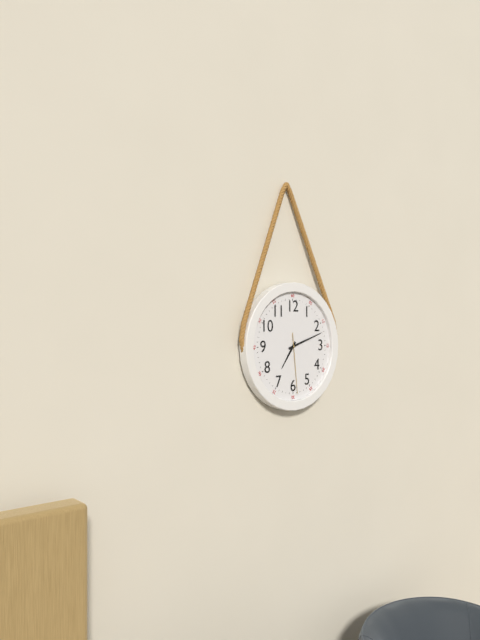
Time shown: {"hour": 7, "minute": 12, "second": 29}
